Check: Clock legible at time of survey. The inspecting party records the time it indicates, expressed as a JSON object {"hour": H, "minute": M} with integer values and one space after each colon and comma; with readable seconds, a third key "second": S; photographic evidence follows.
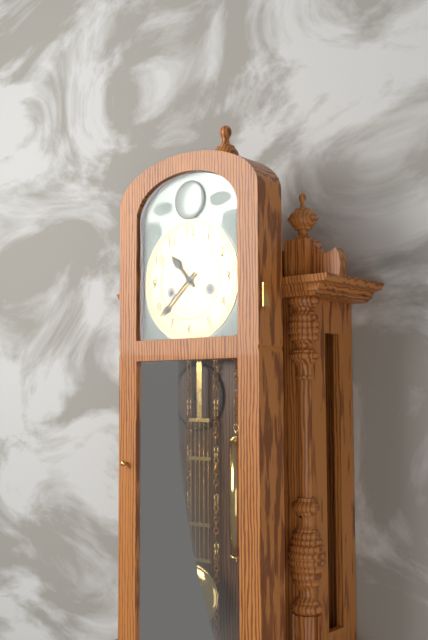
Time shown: {"hour": 10, "minute": 38}
